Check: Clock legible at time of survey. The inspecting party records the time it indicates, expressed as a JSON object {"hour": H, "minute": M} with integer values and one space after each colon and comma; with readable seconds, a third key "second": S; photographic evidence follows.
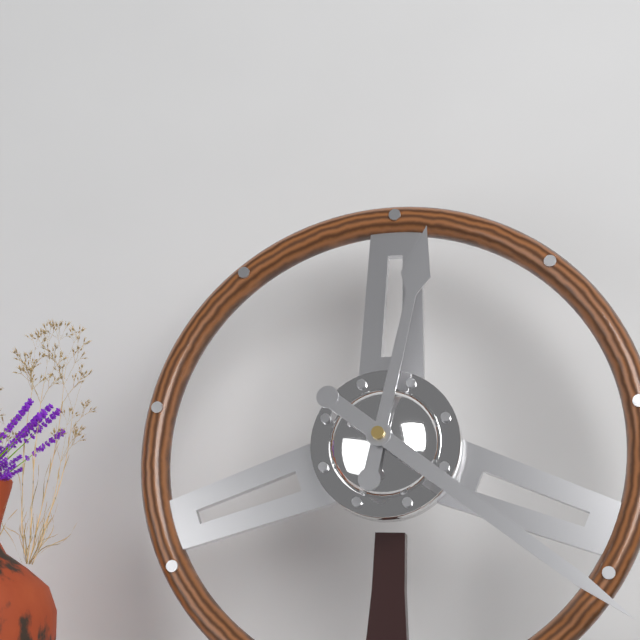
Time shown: {"hour": 12, "minute": 21}
